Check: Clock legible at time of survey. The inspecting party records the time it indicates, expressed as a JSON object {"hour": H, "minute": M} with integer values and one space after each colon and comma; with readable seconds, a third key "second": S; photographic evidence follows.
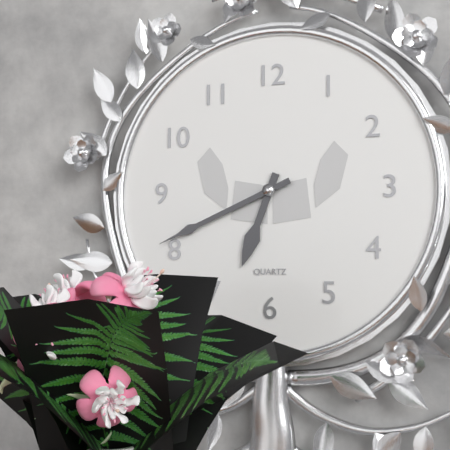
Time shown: {"hour": 6, "minute": 41}
